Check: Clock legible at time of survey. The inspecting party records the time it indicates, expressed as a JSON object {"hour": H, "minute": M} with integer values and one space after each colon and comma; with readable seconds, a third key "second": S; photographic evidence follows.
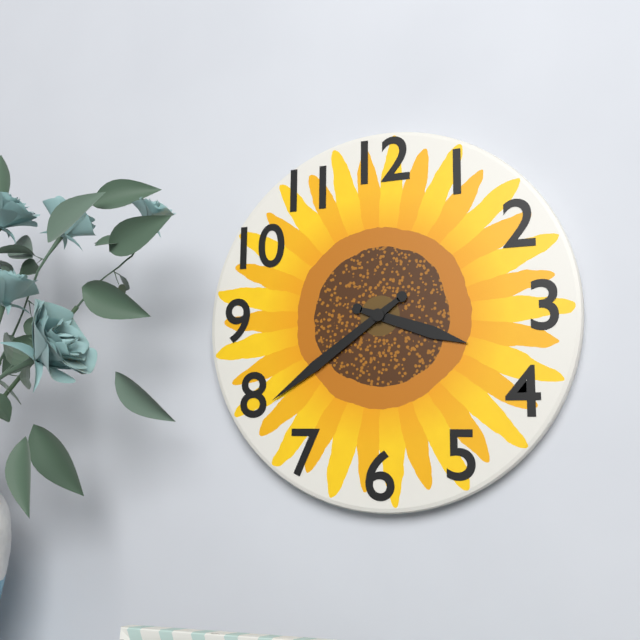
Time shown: {"hour": 3, "minute": 39}
